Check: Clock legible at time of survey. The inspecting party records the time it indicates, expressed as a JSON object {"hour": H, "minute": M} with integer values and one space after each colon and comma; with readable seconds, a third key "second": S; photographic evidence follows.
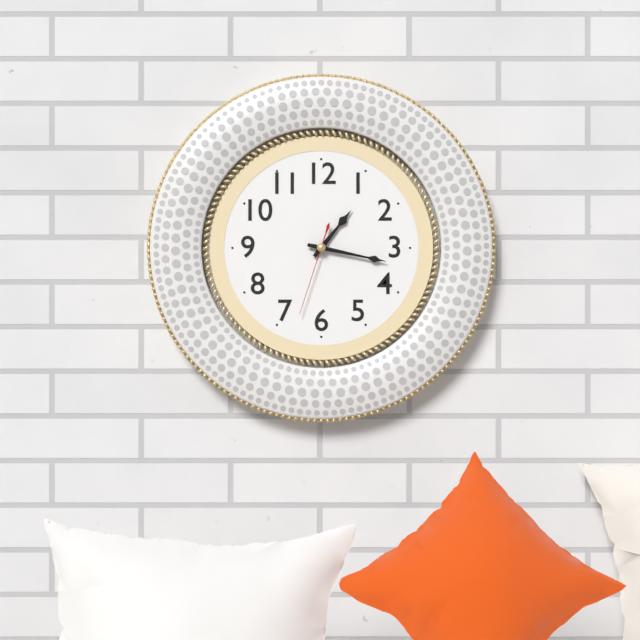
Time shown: {"hour": 1, "minute": 17, "second": 33}
